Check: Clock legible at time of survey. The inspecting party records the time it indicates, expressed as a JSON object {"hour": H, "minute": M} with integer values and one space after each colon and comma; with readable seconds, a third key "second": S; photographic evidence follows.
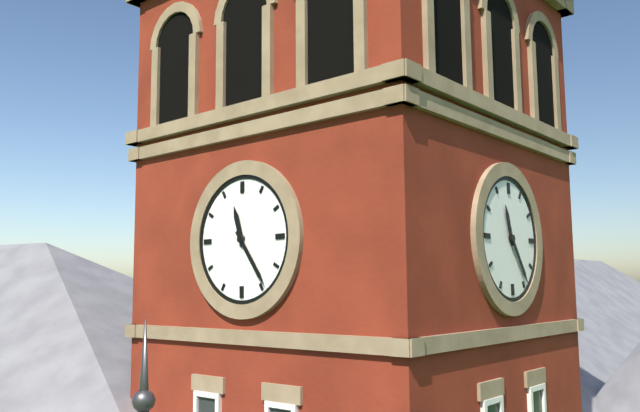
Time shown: {"hour": 11, "minute": 24}
